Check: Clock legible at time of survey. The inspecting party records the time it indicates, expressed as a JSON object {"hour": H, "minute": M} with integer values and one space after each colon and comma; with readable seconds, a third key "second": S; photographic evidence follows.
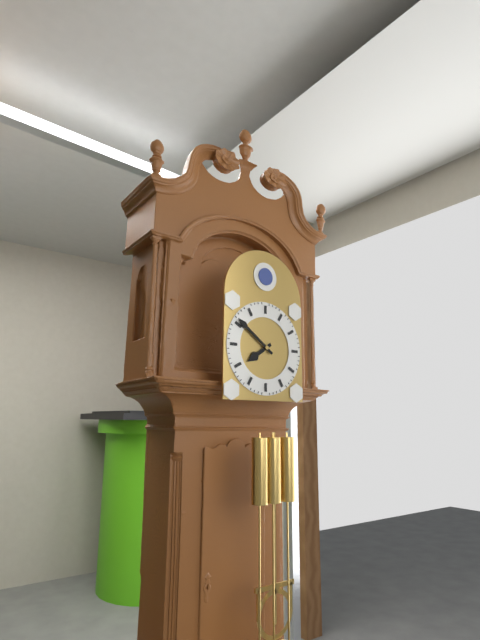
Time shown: {"hour": 7, "minute": 51}
